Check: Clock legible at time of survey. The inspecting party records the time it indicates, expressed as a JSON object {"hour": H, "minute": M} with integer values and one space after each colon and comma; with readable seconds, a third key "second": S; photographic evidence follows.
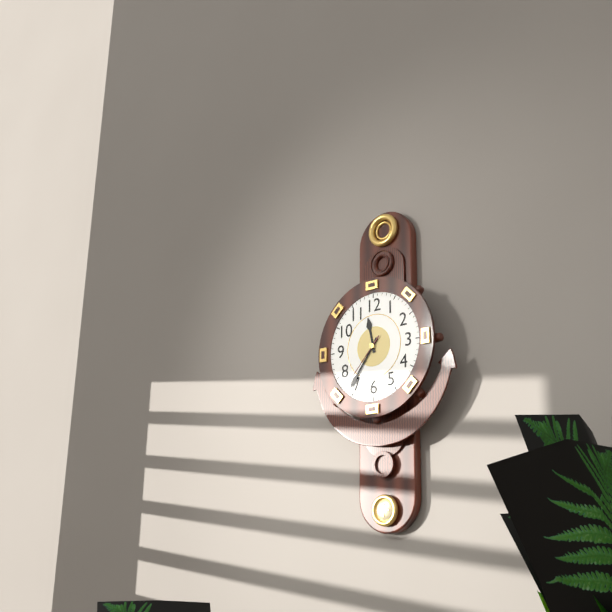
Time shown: {"hour": 11, "minute": 36, "second": 37}
